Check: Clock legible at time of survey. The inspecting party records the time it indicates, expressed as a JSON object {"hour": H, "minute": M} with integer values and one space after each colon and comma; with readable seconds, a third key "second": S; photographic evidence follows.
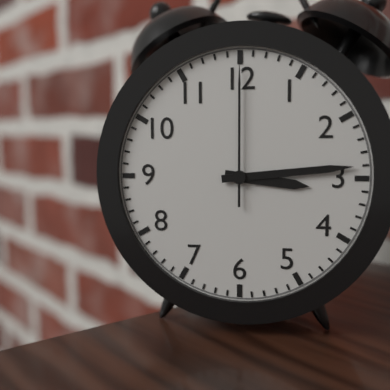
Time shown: {"hour": 3, "minute": 14, "second": 0}
